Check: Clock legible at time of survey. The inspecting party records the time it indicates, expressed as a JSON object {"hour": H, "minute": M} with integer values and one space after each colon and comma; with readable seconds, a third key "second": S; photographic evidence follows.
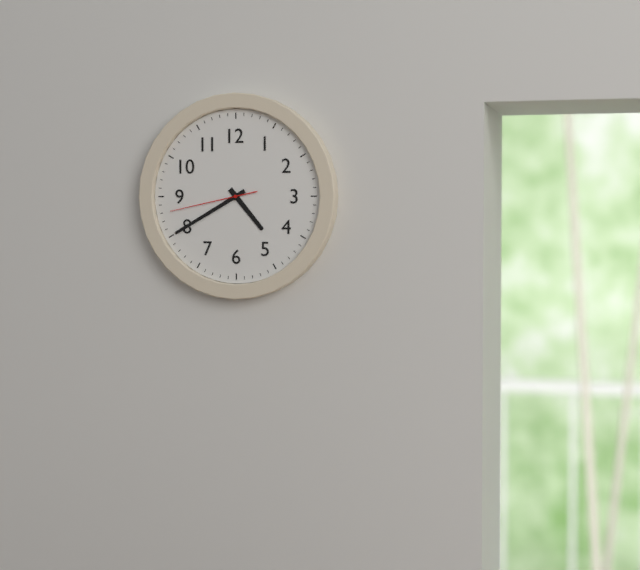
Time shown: {"hour": 4, "minute": 40, "second": 43}
